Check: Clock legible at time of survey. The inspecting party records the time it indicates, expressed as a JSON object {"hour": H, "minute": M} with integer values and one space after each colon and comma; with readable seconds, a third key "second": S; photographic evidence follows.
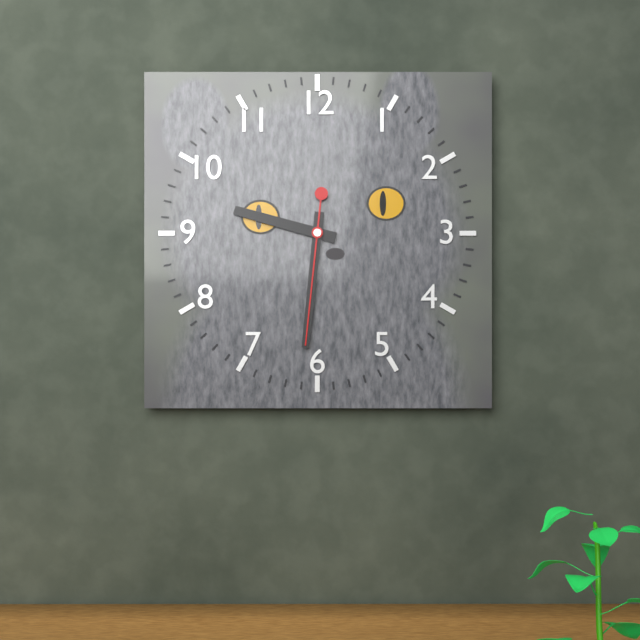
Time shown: {"hour": 9, "minute": 31, "second": 31}
